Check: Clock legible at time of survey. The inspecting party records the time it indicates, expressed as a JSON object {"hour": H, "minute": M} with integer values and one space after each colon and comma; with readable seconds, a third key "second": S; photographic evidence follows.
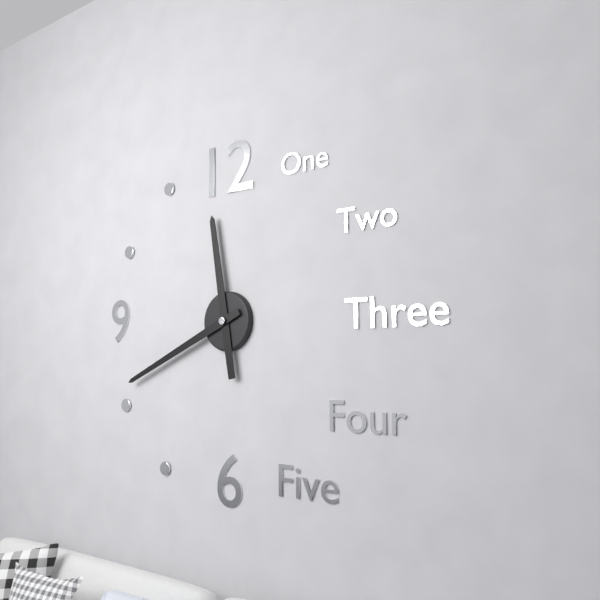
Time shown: {"hour": 11, "minute": 41}
